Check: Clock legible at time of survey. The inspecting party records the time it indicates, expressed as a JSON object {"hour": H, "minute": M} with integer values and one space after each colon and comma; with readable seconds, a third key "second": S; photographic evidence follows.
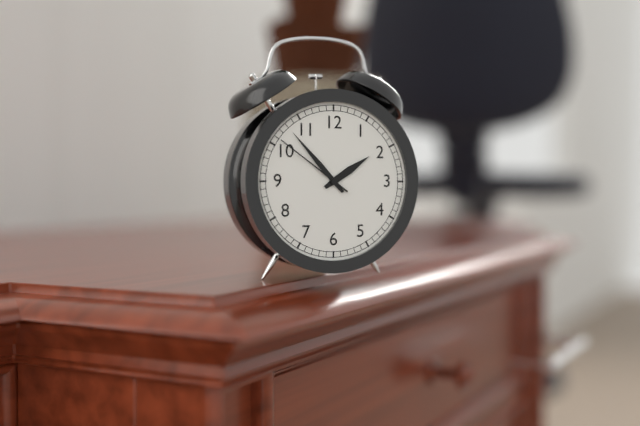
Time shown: {"hour": 1, "minute": 53, "second": 51}
